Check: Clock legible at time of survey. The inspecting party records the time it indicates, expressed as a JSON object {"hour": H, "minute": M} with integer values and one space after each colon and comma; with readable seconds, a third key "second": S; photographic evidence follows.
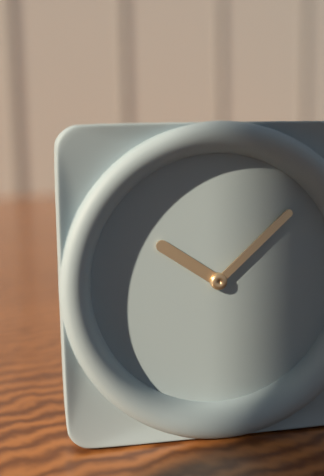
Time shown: {"hour": 10, "minute": 8}
